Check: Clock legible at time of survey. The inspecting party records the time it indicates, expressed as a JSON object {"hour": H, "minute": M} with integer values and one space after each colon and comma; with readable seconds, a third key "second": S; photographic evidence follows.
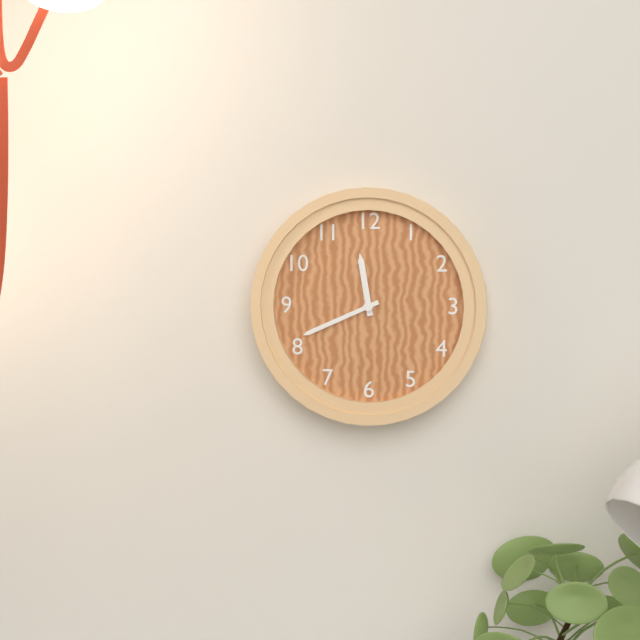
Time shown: {"hour": 11, "minute": 41}
